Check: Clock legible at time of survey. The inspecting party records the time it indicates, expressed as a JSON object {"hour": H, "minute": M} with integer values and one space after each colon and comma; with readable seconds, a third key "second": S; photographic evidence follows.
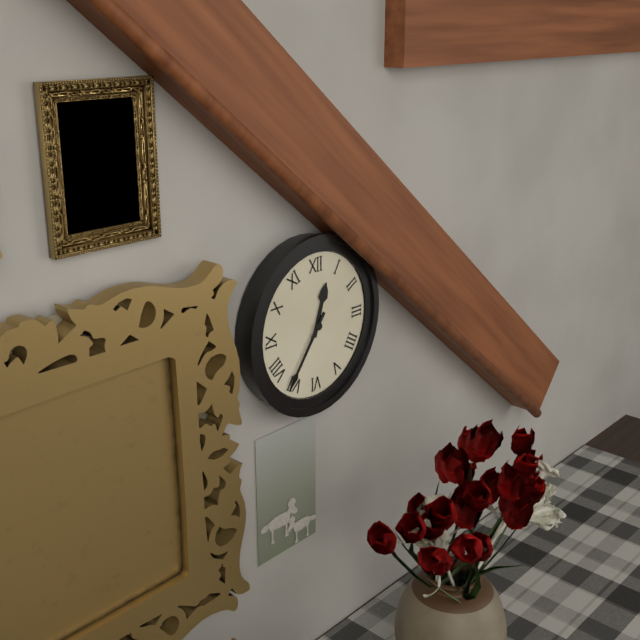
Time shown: {"hour": 12, "minute": 36}
